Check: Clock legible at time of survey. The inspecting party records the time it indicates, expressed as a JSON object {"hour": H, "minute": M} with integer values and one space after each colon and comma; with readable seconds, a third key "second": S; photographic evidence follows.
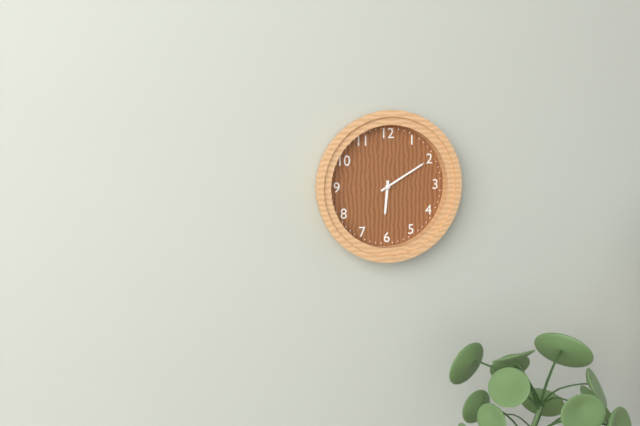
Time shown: {"hour": 6, "minute": 10}
